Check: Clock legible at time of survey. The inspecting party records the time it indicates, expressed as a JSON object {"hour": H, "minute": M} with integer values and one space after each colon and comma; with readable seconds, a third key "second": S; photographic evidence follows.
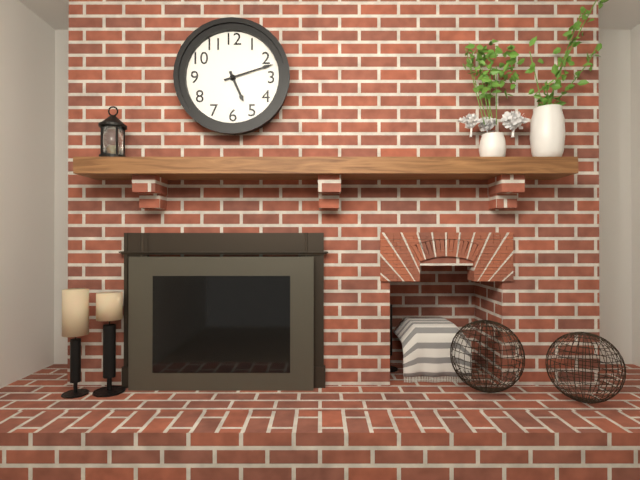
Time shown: {"hour": 5, "minute": 12}
